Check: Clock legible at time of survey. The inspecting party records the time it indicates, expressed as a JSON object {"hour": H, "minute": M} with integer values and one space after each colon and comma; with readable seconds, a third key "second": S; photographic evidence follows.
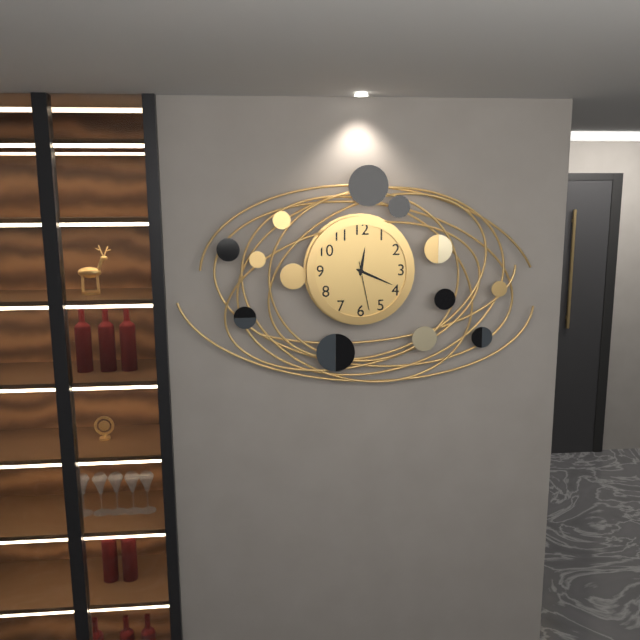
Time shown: {"hour": 12, "minute": 19}
